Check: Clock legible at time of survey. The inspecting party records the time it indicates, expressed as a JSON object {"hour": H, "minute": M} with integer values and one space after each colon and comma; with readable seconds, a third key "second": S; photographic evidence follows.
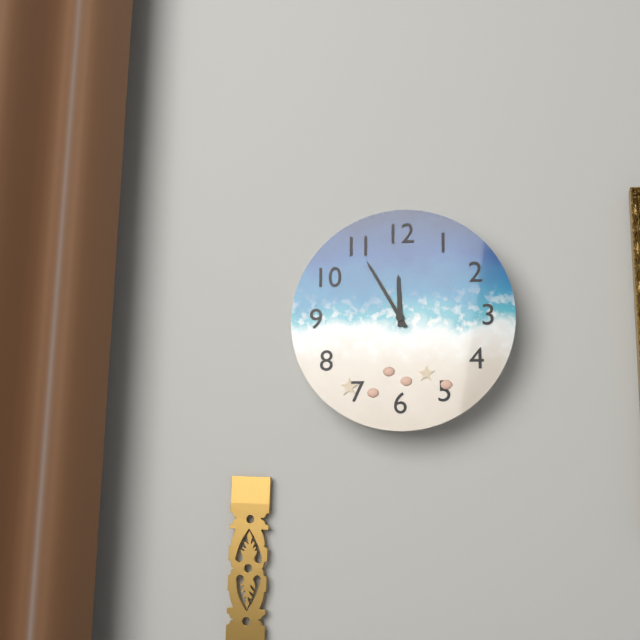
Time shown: {"hour": 11, "minute": 55}
